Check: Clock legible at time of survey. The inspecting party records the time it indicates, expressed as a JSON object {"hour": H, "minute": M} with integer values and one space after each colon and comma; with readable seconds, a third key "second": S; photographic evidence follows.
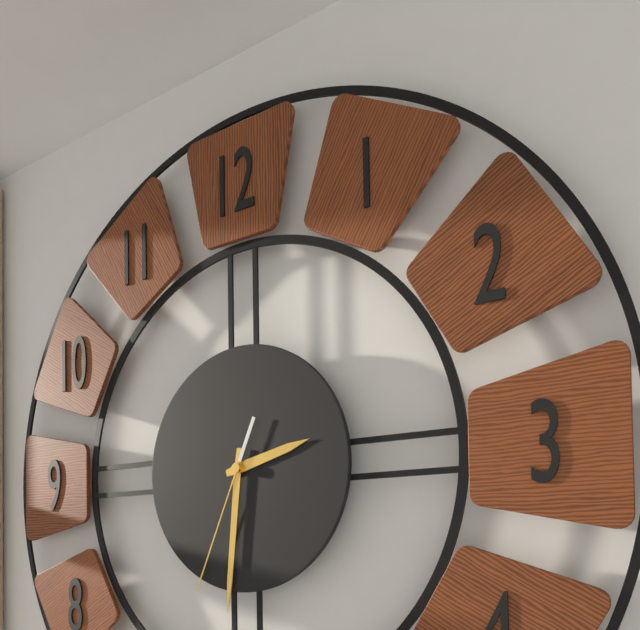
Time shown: {"hour": 2, "minute": 31, "second": 34}
